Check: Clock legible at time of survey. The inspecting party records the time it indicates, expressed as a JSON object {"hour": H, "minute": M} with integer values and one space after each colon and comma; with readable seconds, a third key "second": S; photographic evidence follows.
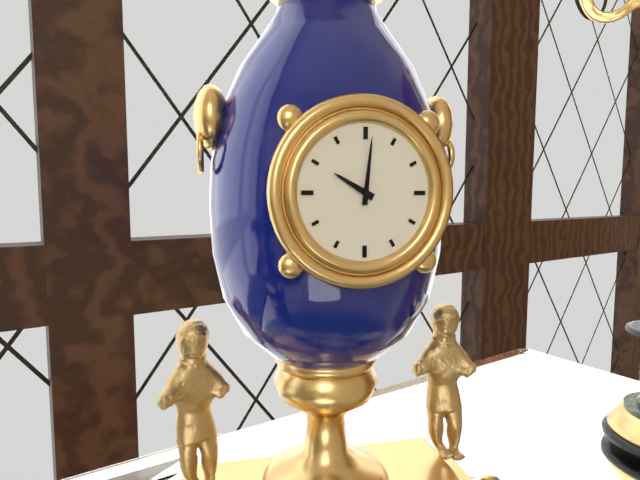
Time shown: {"hour": 10, "minute": 1}
